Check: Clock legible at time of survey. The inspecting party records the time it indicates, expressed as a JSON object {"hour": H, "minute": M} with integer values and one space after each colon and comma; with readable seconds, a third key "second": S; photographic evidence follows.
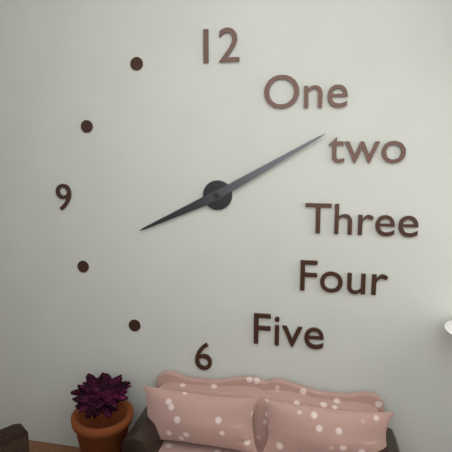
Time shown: {"hour": 8, "minute": 10}
